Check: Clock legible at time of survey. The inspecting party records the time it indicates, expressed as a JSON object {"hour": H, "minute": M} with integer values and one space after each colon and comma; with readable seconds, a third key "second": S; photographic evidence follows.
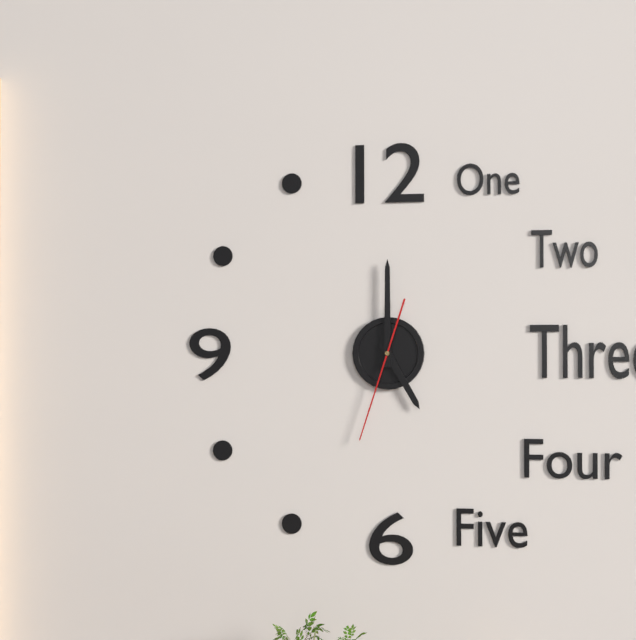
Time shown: {"hour": 5, "minute": 0, "second": 33}
